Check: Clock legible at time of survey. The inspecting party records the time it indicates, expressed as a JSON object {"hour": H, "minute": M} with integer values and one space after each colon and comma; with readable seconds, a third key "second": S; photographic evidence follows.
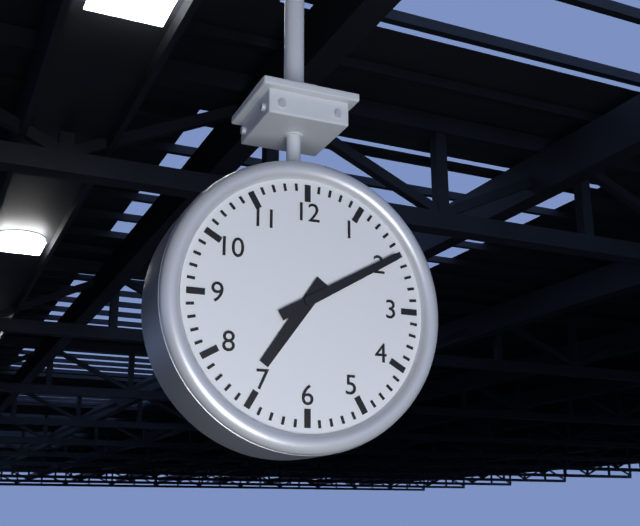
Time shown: {"hour": 7, "minute": 10}
